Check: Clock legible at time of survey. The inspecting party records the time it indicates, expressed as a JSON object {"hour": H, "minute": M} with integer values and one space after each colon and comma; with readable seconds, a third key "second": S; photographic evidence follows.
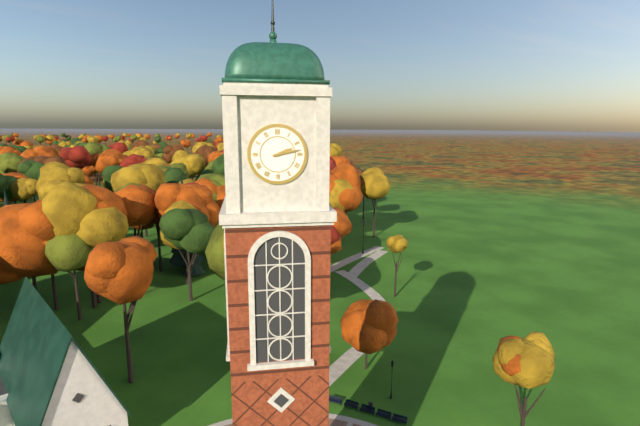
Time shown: {"hour": 2, "minute": 13}
